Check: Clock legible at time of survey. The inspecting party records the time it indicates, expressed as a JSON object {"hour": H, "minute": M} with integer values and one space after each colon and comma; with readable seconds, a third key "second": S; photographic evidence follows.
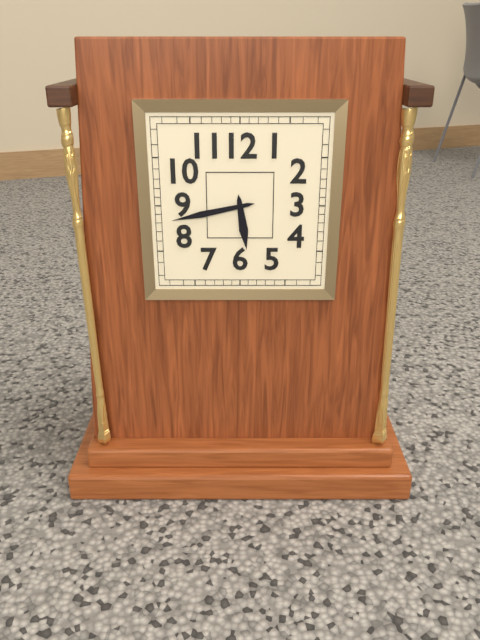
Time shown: {"hour": 5, "minute": 43}
